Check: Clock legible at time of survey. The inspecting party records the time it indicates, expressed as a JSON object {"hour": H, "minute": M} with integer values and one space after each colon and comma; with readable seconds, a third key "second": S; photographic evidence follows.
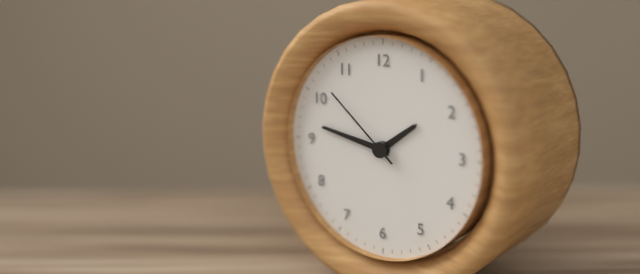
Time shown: {"hour": 1, "minute": 47, "second": 52}
